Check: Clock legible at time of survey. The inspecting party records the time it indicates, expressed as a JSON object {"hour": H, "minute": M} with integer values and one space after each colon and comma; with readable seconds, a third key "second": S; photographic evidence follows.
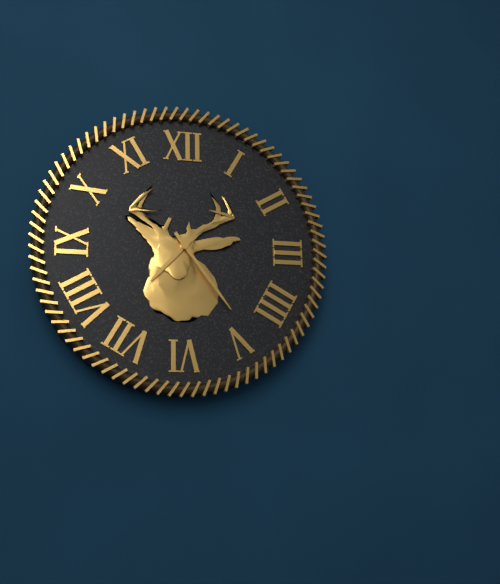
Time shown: {"hour": 7, "minute": 24}
